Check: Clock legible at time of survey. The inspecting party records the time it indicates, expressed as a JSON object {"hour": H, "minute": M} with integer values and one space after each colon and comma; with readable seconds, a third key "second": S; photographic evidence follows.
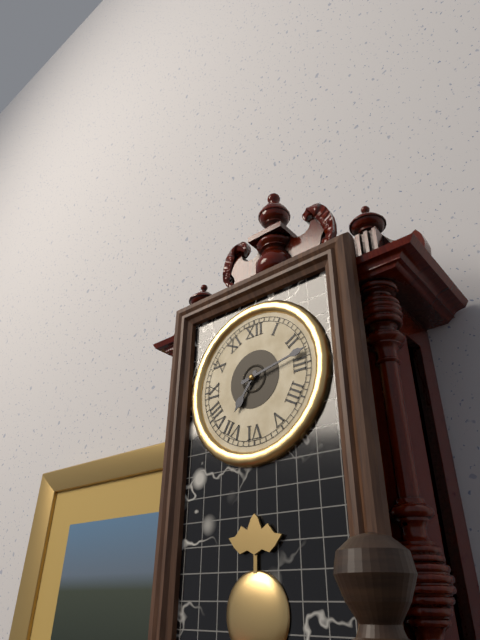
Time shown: {"hour": 7, "minute": 13}
